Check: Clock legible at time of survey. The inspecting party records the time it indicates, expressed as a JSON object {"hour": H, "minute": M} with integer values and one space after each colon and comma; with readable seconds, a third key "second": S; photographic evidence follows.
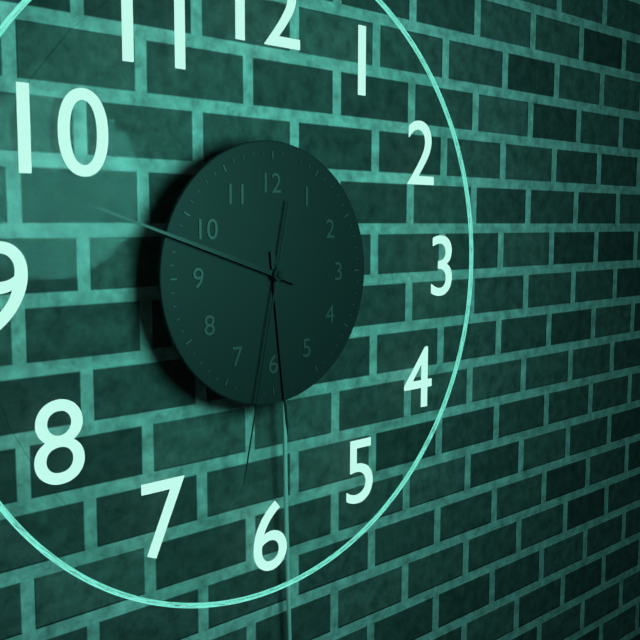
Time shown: {"hour": 5, "minute": 48, "second": 32}
